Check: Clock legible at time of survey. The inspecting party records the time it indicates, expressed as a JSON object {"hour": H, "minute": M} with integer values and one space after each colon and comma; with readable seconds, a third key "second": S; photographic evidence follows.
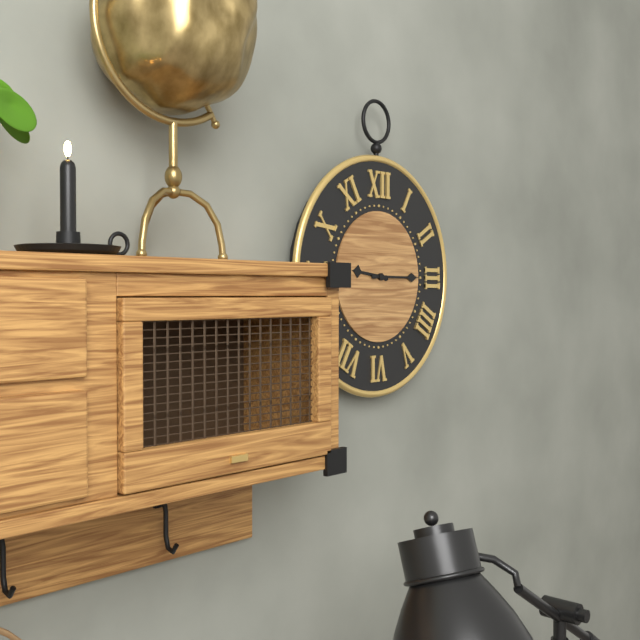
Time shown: {"hour": 9, "minute": 15}
